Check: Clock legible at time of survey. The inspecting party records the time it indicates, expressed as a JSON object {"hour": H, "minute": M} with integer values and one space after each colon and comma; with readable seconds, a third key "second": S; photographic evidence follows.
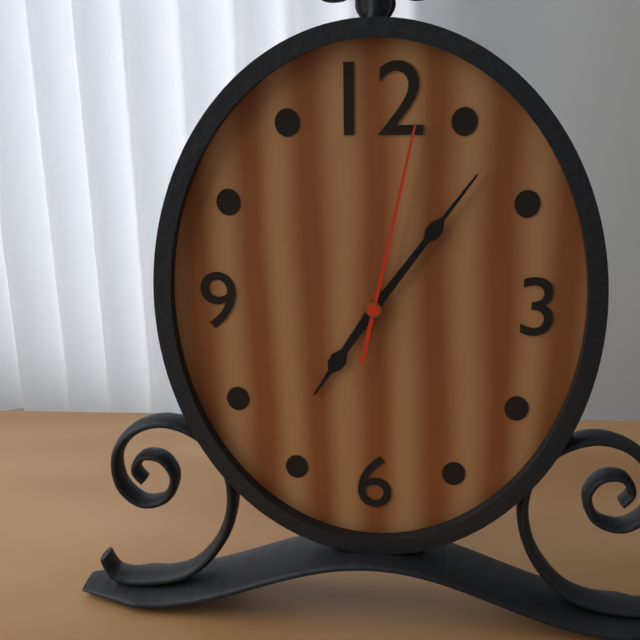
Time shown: {"hour": 7, "minute": 6, "second": 2}
